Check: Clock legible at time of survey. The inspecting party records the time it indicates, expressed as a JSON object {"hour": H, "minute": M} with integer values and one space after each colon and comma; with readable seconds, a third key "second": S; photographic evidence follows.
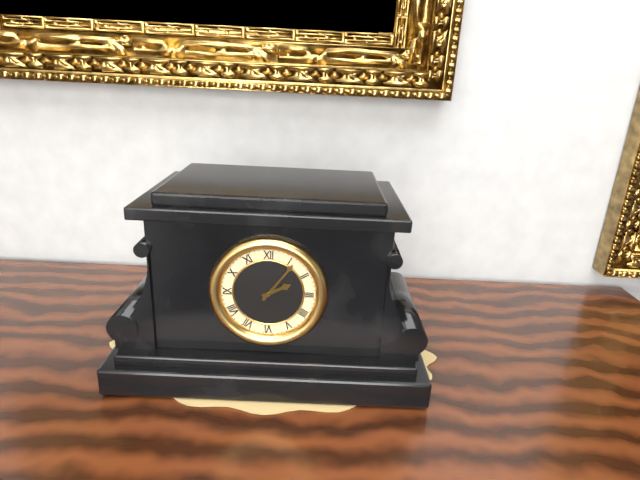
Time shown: {"hour": 2, "minute": 6}
